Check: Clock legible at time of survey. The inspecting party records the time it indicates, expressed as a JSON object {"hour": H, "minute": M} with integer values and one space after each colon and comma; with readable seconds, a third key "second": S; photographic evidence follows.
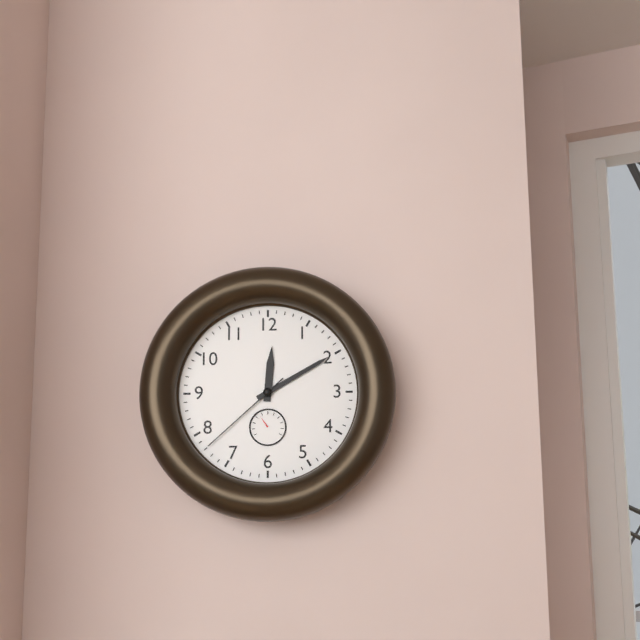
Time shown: {"hour": 12, "minute": 10, "second": 38}
